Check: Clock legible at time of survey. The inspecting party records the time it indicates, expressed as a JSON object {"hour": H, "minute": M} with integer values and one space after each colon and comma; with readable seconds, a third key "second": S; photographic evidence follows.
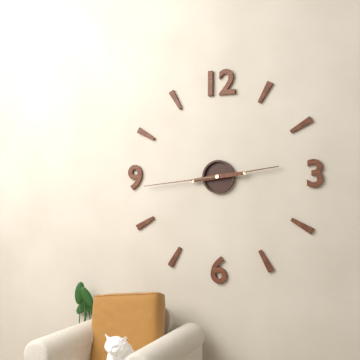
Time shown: {"hour": 2, "minute": 44}
